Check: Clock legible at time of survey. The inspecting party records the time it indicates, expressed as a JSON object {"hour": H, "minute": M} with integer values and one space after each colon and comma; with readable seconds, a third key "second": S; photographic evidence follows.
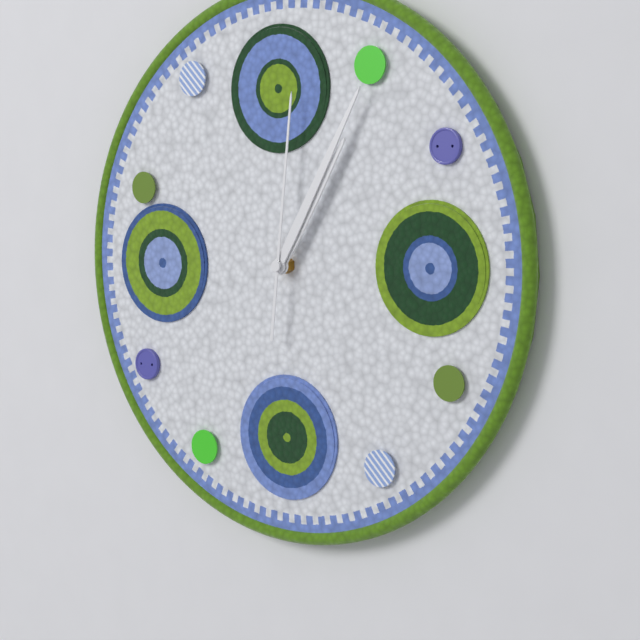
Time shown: {"hour": 1, "minute": 5, "second": 1}
